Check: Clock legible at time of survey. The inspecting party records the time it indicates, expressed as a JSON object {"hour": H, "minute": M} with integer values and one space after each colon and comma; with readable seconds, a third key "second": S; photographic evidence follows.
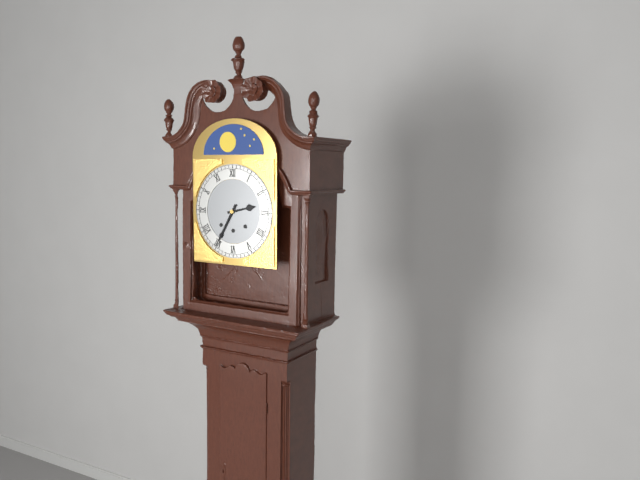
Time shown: {"hour": 2, "minute": 35}
